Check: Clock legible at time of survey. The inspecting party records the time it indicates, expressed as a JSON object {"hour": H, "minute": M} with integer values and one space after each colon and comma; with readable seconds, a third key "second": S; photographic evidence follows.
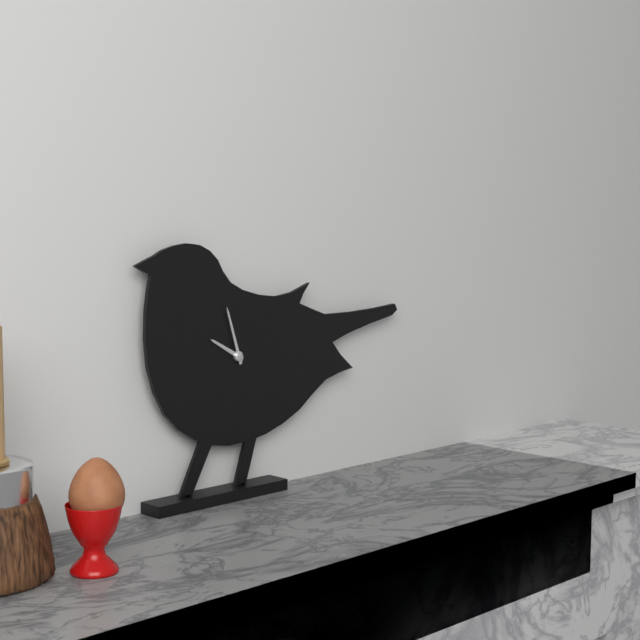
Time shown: {"hour": 9, "minute": 57}
